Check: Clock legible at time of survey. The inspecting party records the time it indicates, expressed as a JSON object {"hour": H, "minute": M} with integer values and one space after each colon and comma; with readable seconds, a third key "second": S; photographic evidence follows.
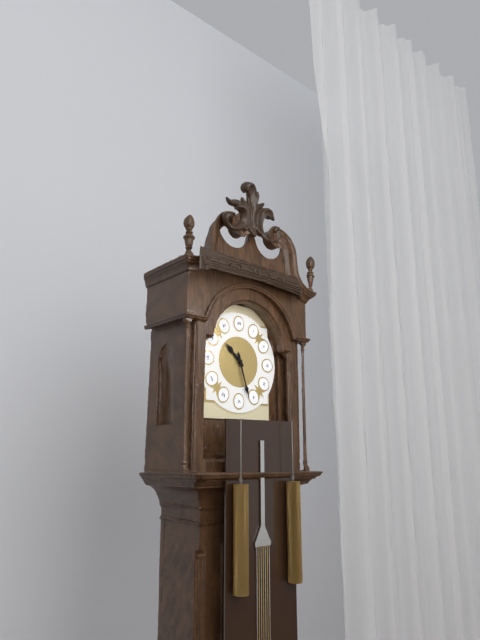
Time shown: {"hour": 10, "minute": 27}
